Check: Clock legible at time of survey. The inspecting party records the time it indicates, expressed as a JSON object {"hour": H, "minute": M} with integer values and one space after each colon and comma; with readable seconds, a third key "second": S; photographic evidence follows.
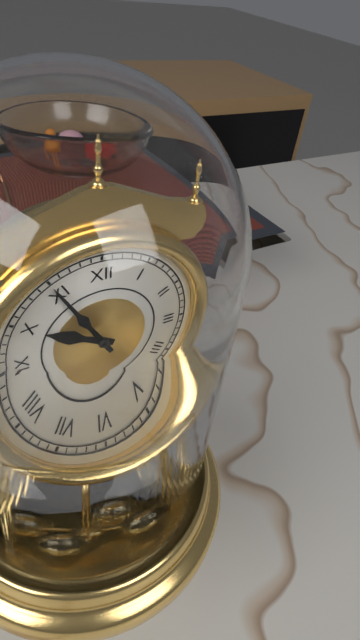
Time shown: {"hour": 9, "minute": 55}
